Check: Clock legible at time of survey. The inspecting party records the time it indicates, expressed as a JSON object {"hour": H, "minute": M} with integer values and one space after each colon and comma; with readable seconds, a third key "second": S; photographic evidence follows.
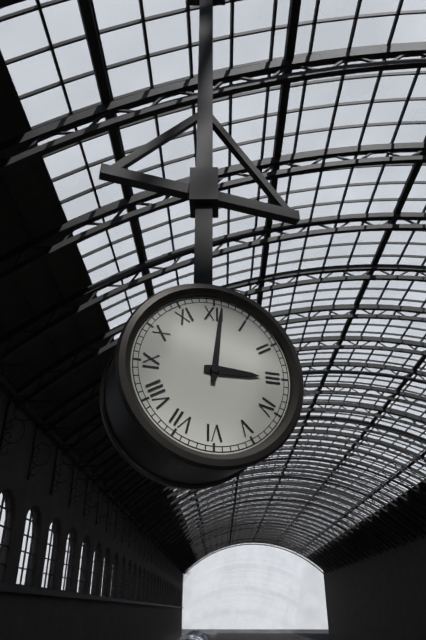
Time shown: {"hour": 3, "minute": 1}
